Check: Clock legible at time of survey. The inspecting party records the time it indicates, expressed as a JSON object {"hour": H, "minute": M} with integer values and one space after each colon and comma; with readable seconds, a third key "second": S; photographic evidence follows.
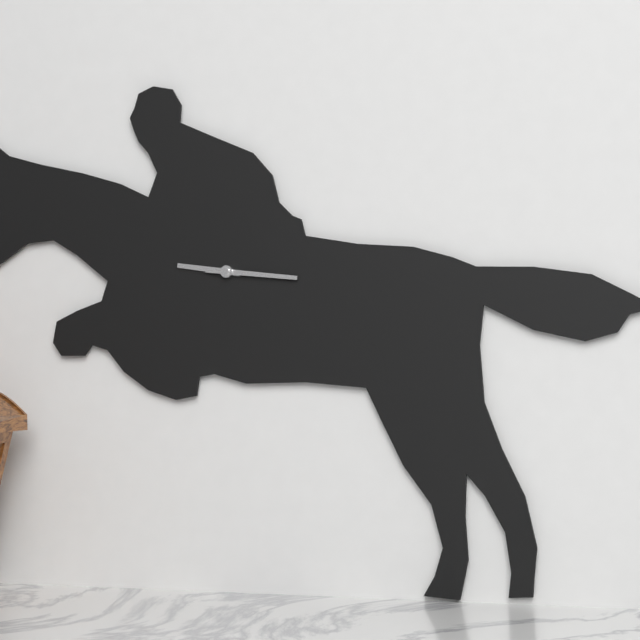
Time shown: {"hour": 9, "minute": 16}
